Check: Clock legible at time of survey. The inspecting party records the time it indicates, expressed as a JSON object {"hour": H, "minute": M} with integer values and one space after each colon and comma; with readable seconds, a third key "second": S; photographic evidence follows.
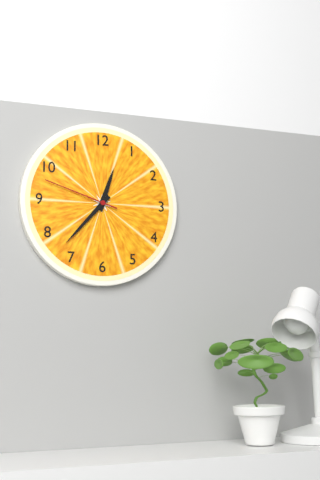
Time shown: {"hour": 12, "minute": 37, "second": 48}
